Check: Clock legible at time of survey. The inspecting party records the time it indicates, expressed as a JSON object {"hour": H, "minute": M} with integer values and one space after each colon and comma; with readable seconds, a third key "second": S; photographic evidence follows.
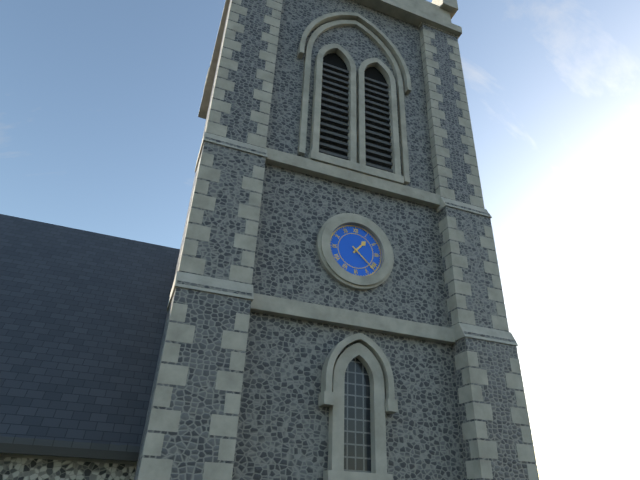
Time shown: {"hour": 1, "minute": 22}
